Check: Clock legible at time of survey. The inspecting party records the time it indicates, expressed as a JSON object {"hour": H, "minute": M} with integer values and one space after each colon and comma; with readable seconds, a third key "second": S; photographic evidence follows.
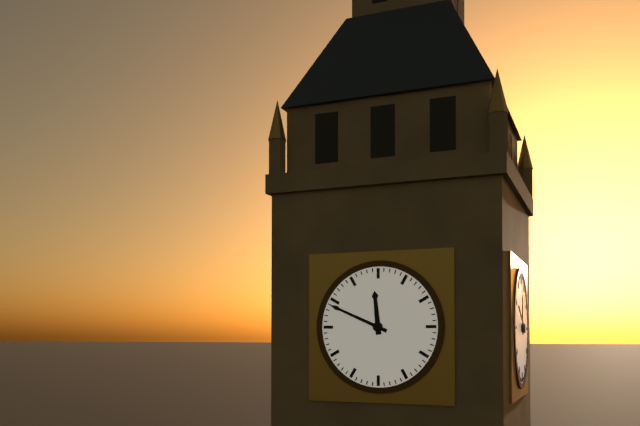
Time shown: {"hour": 11, "minute": 49}
